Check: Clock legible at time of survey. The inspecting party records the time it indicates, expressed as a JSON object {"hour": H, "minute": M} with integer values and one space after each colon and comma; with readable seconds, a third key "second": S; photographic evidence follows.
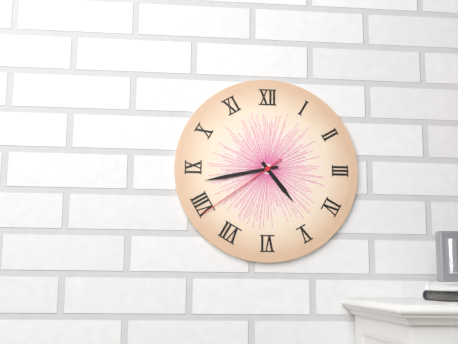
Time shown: {"hour": 4, "minute": 43, "second": 39}
